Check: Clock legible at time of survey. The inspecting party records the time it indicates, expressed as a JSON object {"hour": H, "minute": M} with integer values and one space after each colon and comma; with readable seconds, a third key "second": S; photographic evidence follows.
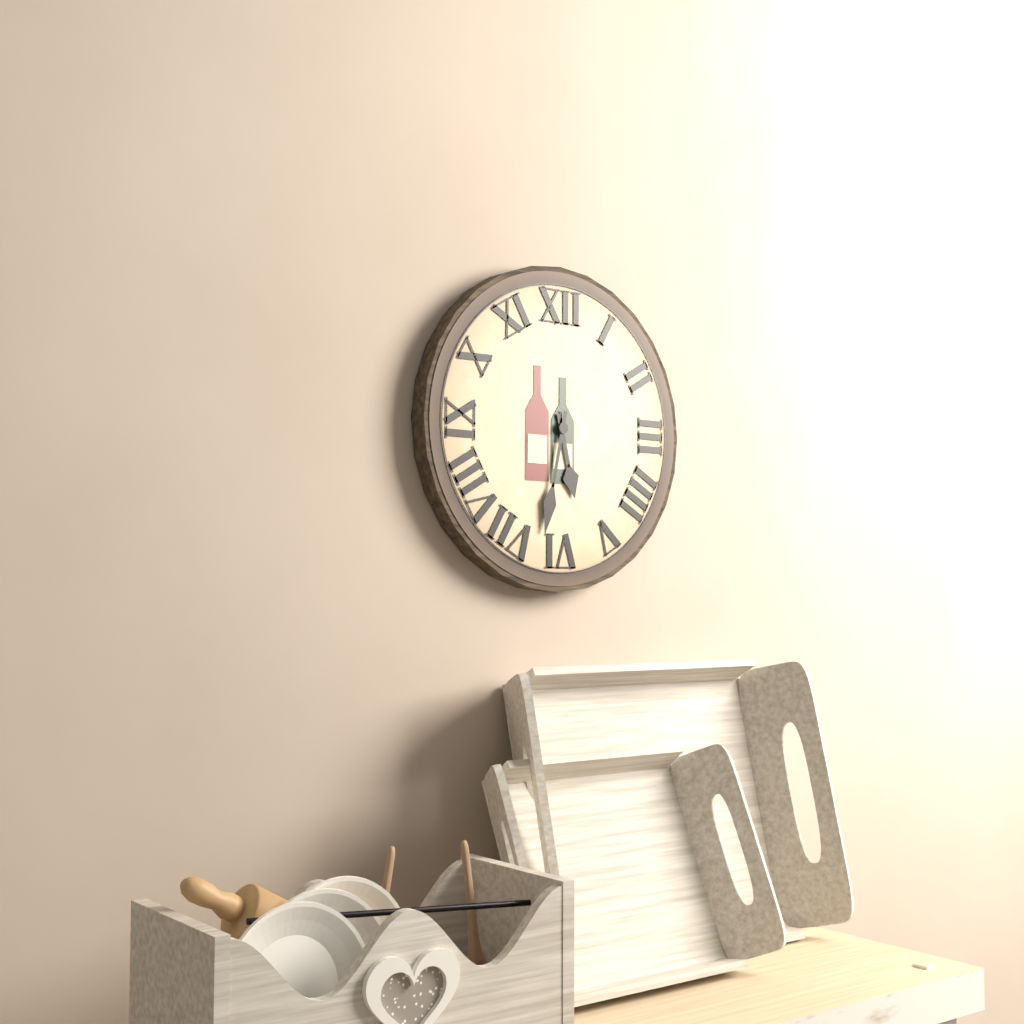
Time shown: {"hour": 5, "minute": 32}
